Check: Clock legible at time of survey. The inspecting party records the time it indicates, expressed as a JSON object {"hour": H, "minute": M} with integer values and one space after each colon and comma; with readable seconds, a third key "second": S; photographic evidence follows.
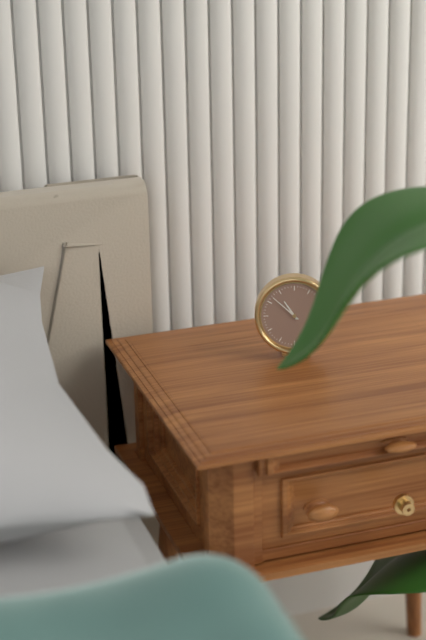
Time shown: {"hour": 10, "minute": 52}
